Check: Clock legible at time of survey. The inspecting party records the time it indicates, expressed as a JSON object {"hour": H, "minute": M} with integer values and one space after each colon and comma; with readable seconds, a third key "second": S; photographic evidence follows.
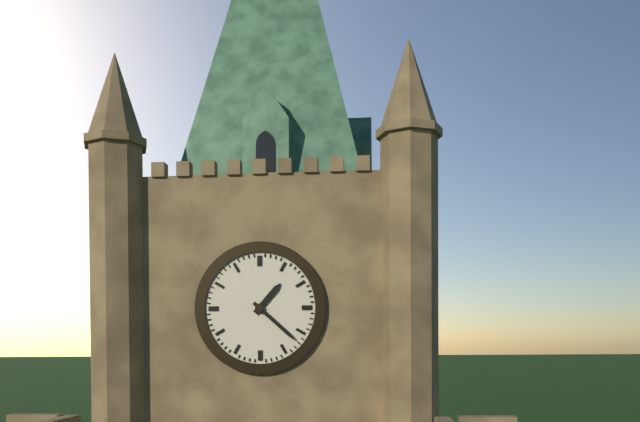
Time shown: {"hour": 1, "minute": 22}
